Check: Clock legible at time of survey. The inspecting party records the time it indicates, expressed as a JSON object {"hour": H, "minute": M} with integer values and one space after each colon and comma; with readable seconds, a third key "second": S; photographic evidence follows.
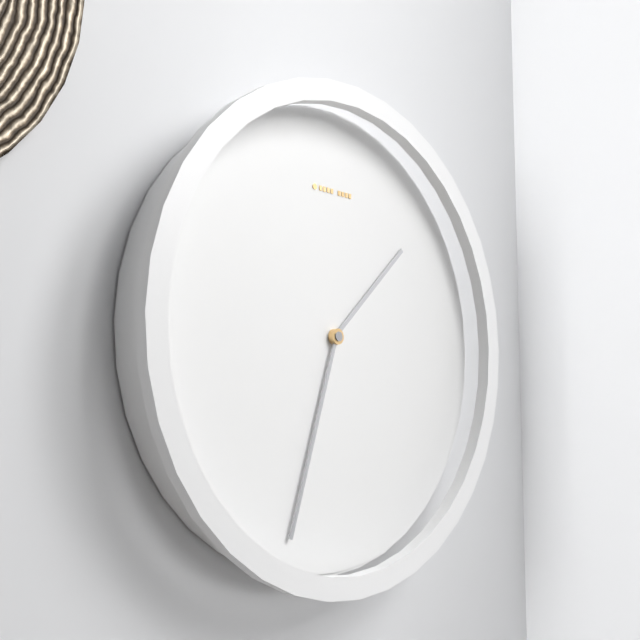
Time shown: {"hour": 1, "minute": 33}
